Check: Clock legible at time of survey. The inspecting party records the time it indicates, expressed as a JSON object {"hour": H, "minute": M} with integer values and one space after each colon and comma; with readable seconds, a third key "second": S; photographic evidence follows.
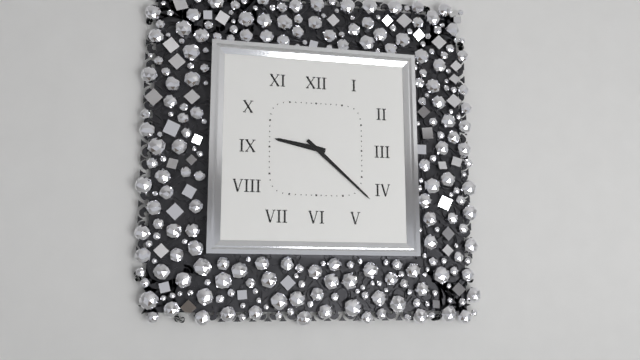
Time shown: {"hour": 9, "minute": 22}
